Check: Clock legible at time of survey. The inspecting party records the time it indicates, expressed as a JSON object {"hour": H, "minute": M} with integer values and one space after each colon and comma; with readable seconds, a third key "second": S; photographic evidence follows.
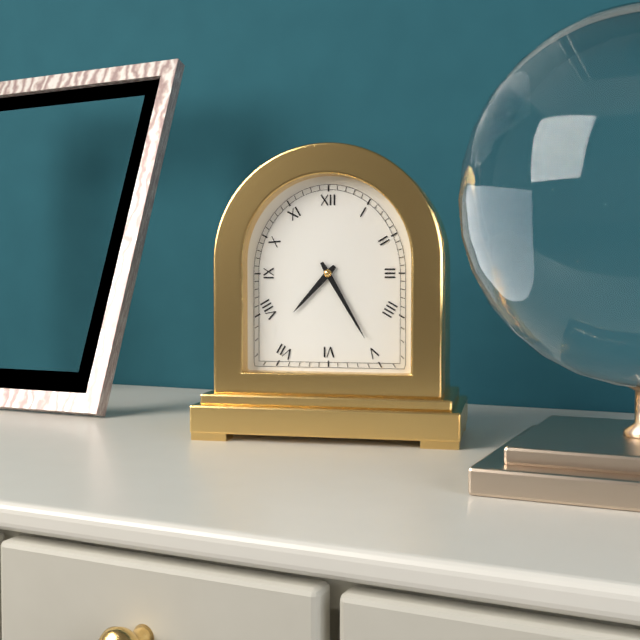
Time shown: {"hour": 7, "minute": 25}
